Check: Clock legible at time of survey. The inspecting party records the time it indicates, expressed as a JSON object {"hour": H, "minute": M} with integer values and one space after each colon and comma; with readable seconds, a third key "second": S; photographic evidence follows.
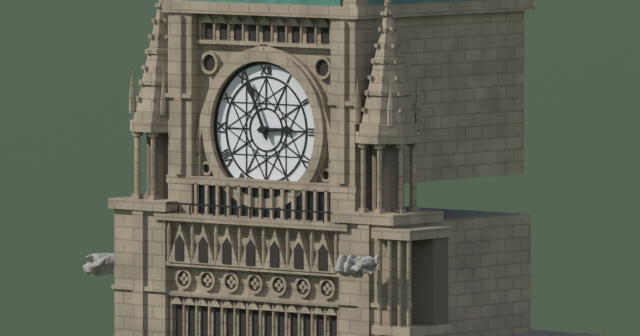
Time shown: {"hour": 2, "minute": 56}
